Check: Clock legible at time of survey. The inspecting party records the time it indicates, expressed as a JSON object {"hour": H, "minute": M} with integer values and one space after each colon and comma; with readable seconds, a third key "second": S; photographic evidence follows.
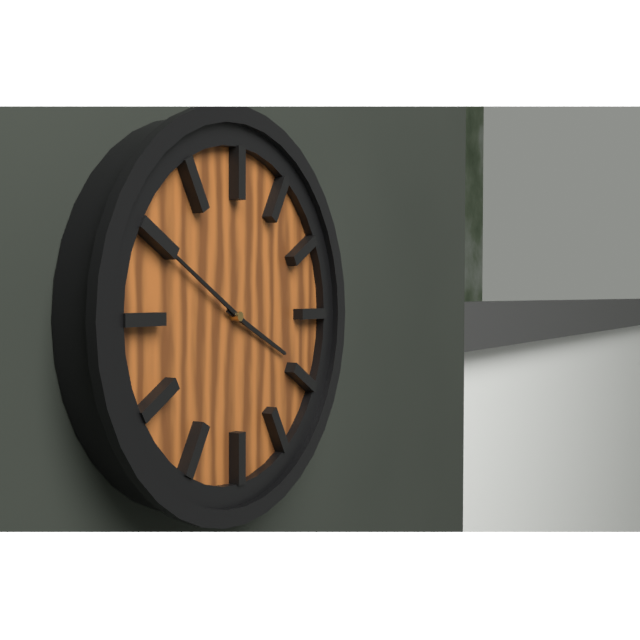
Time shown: {"hour": 3, "minute": 50}
